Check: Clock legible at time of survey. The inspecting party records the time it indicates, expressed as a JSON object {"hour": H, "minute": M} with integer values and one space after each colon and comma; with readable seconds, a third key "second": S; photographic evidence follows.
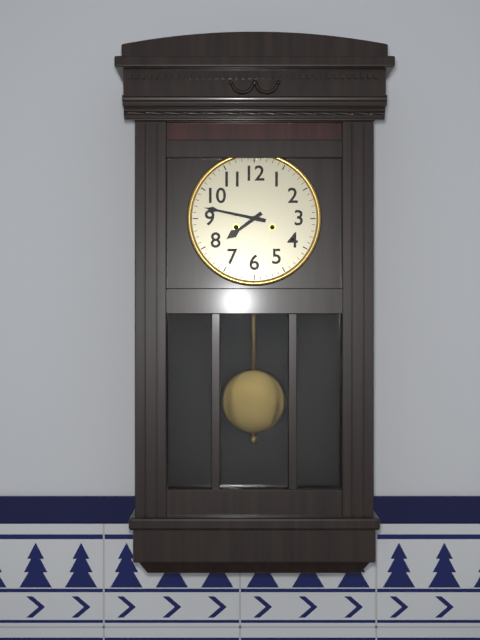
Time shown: {"hour": 7, "minute": 47}
